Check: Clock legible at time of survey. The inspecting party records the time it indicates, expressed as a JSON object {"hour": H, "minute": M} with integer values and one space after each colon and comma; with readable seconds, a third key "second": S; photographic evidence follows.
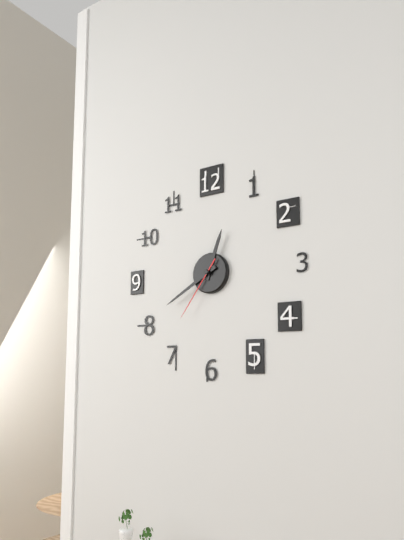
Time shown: {"hour": 12, "minute": 40, "second": 36}
